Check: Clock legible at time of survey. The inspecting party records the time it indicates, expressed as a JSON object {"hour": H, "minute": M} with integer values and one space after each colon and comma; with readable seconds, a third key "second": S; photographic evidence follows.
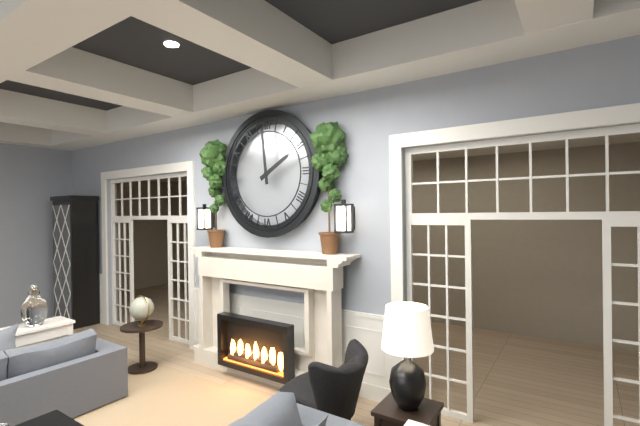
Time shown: {"hour": 1, "minute": 59}
